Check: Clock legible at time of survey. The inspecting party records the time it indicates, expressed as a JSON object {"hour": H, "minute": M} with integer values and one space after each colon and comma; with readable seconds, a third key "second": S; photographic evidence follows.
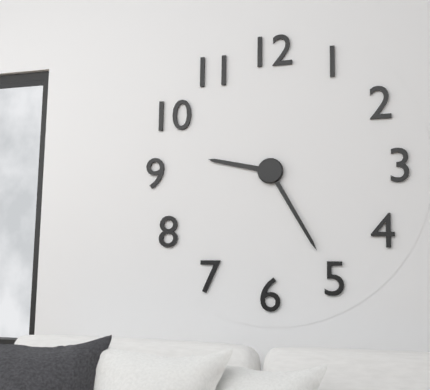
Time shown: {"hour": 9, "minute": 25}
